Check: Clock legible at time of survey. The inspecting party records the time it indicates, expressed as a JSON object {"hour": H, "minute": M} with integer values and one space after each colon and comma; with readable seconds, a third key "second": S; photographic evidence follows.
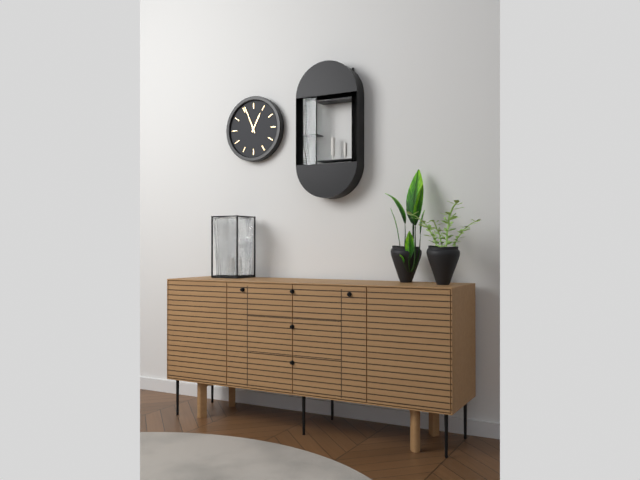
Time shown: {"hour": 12, "minute": 56}
